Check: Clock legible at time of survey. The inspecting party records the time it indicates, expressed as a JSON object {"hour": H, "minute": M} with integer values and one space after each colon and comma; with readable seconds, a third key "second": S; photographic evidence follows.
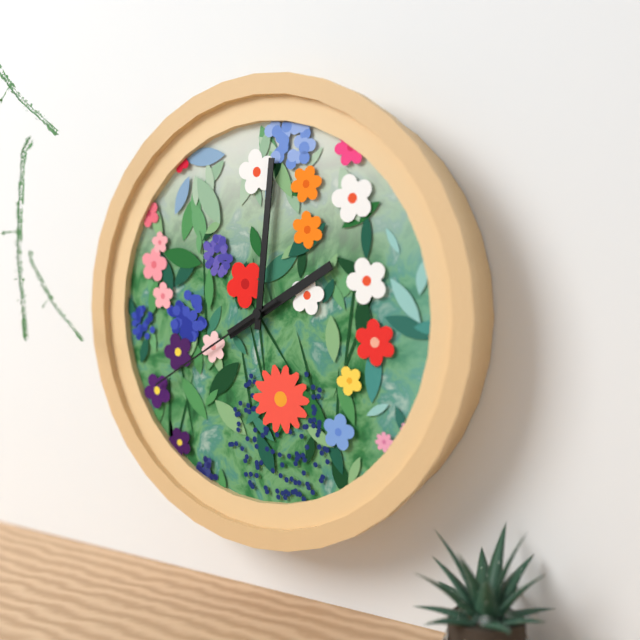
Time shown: {"hour": 2, "minute": 1, "second": 40}
